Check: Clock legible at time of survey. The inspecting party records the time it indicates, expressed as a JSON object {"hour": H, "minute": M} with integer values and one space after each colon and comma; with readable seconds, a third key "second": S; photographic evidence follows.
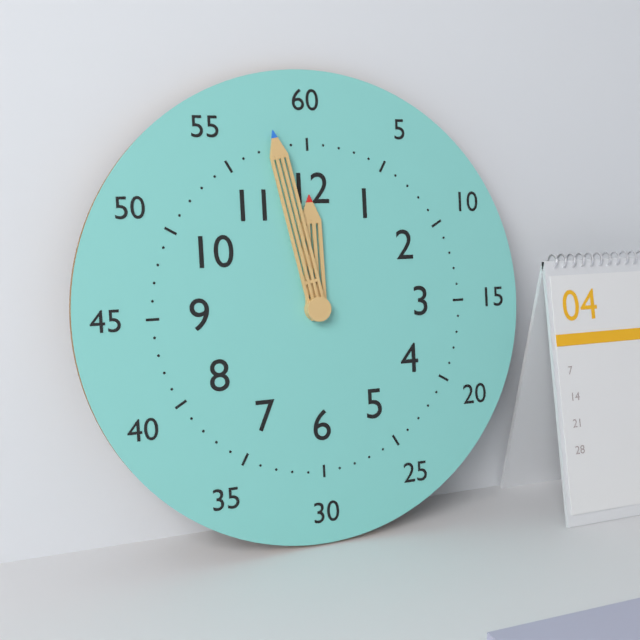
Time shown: {"hour": 11, "minute": 58}
